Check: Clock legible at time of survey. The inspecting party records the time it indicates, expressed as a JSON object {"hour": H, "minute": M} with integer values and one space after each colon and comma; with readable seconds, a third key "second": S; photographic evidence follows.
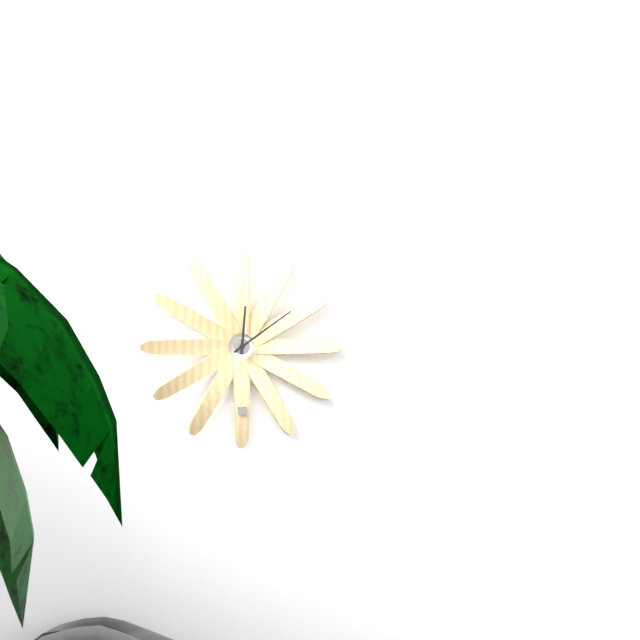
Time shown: {"hour": 12, "minute": 9}
